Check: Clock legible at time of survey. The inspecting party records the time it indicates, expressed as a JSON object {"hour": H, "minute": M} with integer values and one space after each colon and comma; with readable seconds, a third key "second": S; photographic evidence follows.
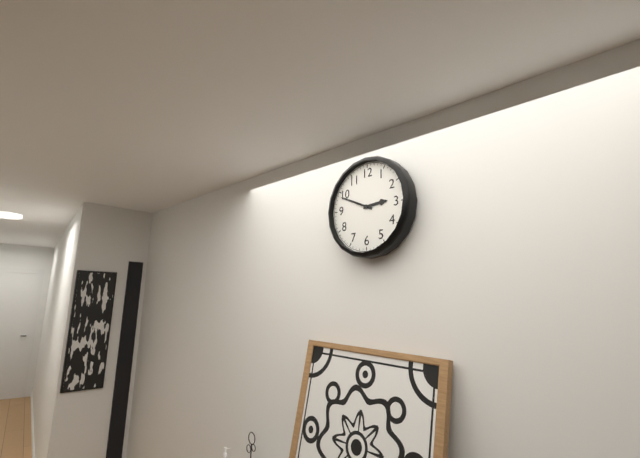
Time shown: {"hour": 2, "minute": 49}
